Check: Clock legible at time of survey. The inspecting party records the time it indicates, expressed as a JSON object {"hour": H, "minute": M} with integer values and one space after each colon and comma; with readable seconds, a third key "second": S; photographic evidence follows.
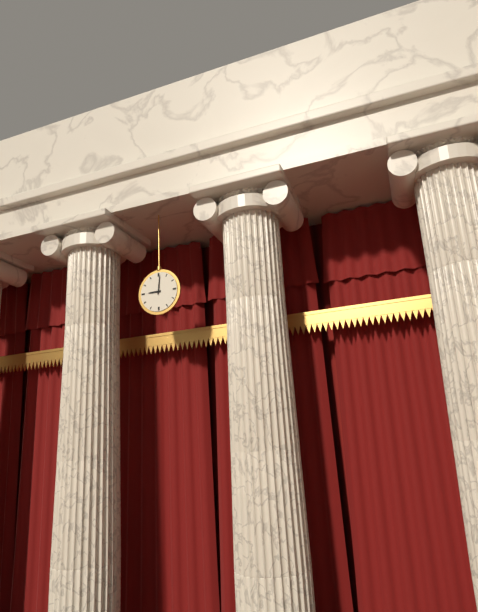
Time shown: {"hour": 9, "minute": 1}
